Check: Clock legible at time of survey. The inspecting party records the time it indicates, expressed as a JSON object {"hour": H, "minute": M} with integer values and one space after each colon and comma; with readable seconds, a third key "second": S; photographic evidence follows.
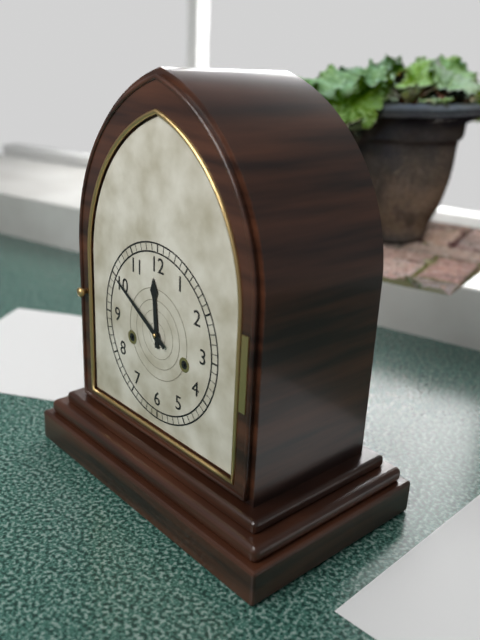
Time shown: {"hour": 11, "minute": 50}
